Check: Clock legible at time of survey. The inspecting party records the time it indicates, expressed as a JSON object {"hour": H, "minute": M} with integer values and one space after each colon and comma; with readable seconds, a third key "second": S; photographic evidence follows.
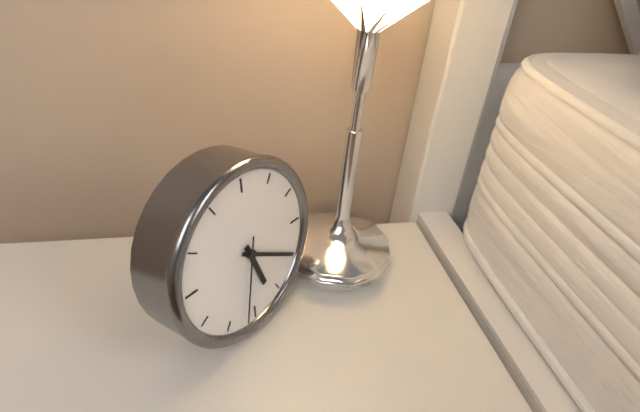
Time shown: {"hour": 5, "minute": 20, "second": 32}
